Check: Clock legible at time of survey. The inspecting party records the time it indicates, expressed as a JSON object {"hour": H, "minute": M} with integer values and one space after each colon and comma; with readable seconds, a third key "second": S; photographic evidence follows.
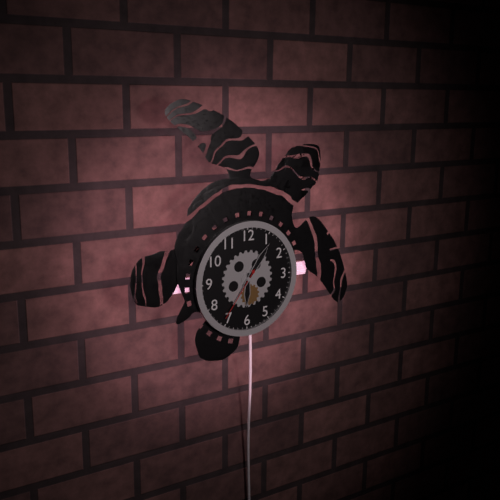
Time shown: {"hour": 6, "minute": 6, "second": 36}
